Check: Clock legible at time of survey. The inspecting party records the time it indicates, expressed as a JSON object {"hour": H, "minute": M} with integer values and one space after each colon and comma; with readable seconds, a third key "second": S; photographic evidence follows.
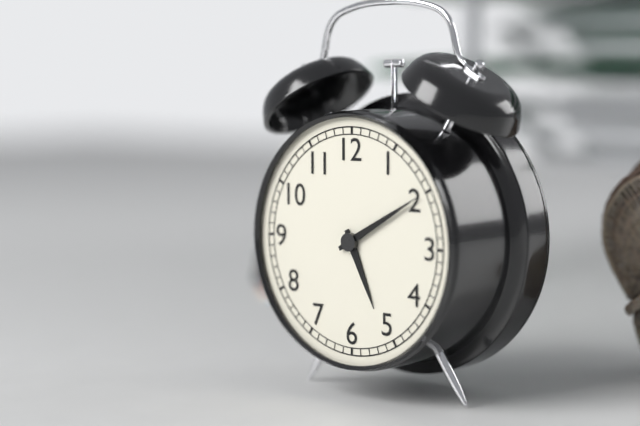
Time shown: {"hour": 5, "minute": 10}
